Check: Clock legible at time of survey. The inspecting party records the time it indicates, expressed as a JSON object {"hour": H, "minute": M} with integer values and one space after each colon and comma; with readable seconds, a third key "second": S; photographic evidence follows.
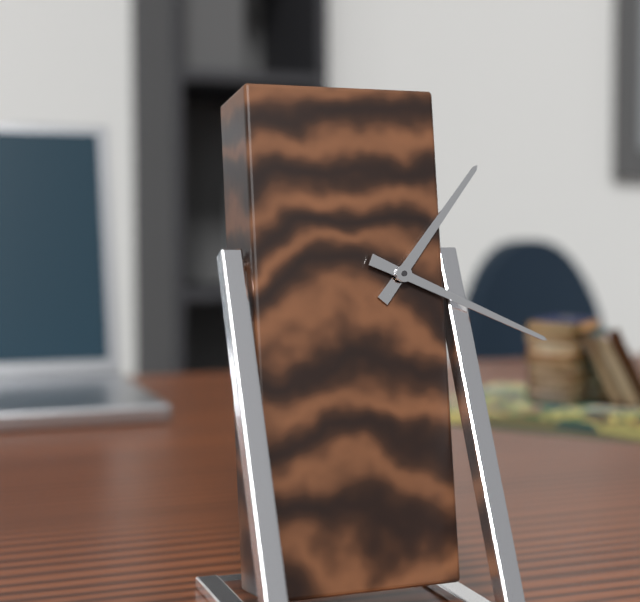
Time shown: {"hour": 1, "minute": 19}
